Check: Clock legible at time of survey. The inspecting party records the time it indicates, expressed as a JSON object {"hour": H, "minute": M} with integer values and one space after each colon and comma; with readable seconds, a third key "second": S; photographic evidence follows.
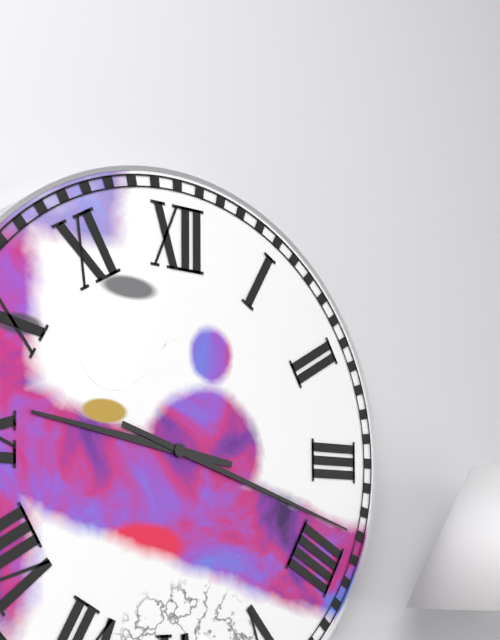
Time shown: {"hour": 9, "minute": 18}
